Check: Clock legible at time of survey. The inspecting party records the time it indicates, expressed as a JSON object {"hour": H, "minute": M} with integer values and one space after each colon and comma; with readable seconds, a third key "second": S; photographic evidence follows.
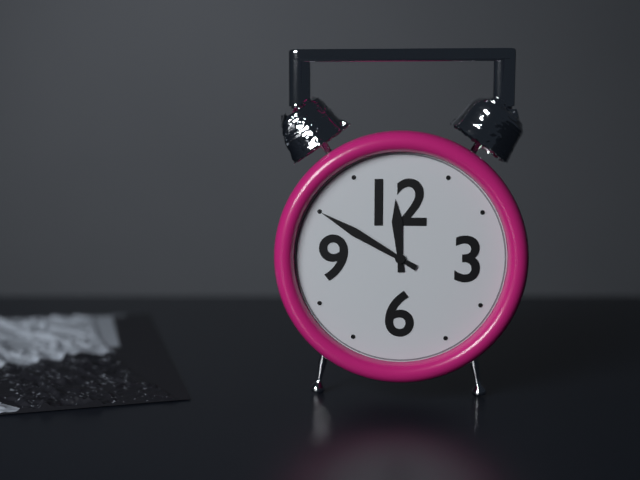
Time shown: {"hour": 11, "minute": 50}
